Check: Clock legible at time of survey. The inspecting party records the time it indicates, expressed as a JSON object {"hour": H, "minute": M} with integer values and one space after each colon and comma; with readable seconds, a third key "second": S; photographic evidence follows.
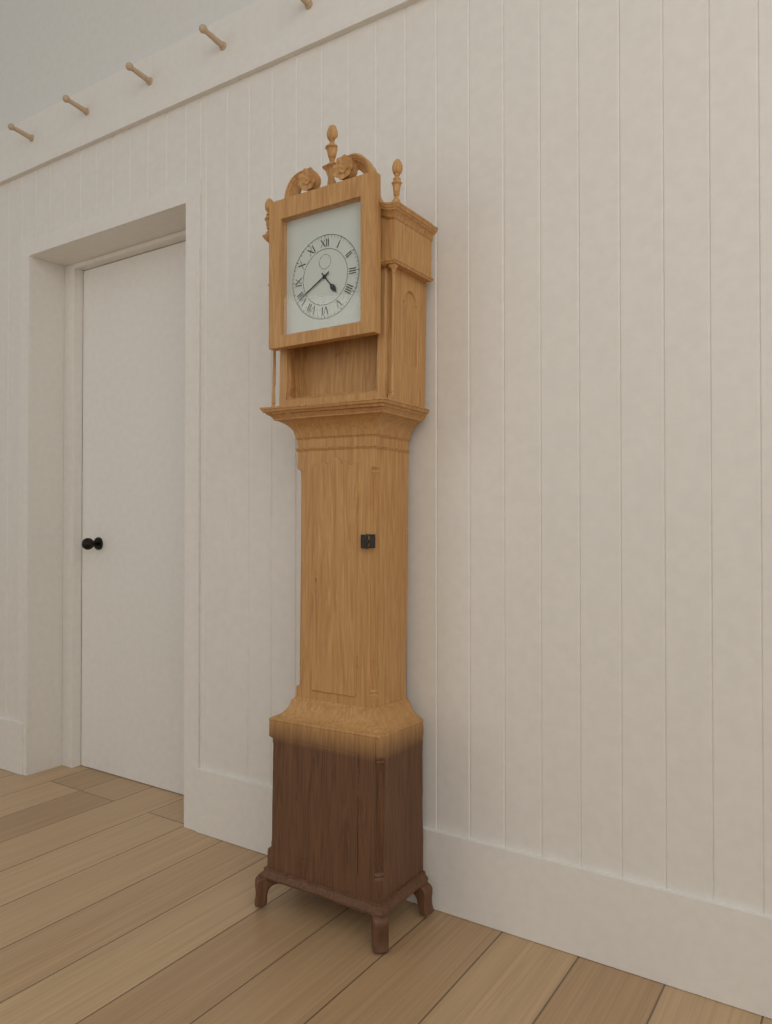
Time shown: {"hour": 4, "minute": 40}
